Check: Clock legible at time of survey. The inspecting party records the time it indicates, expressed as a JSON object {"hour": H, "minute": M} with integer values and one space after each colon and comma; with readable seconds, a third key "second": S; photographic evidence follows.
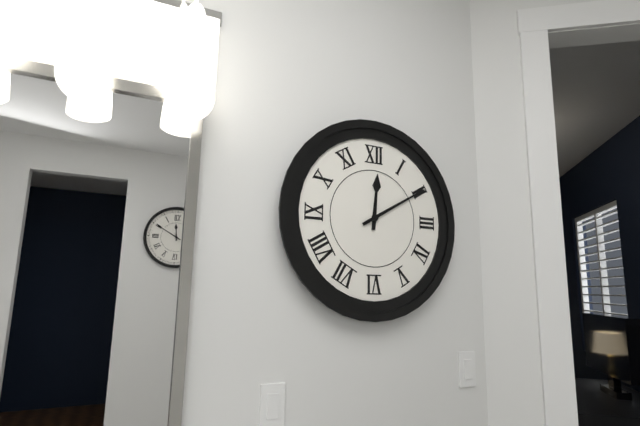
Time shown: {"hour": 12, "minute": 10}
